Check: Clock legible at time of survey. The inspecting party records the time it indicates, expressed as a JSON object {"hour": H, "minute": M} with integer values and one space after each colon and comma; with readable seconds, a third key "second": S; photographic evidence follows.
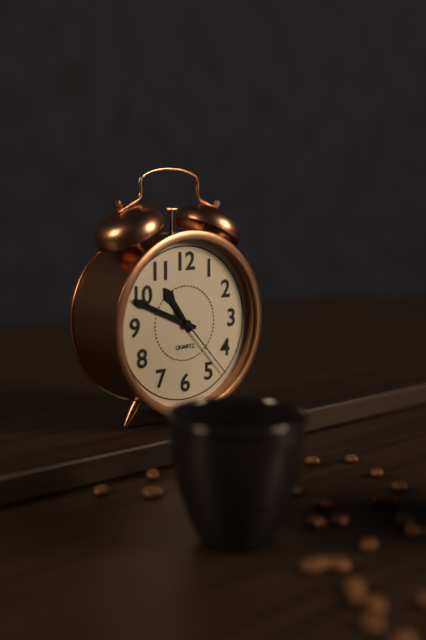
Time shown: {"hour": 10, "minute": 49, "second": 23}
